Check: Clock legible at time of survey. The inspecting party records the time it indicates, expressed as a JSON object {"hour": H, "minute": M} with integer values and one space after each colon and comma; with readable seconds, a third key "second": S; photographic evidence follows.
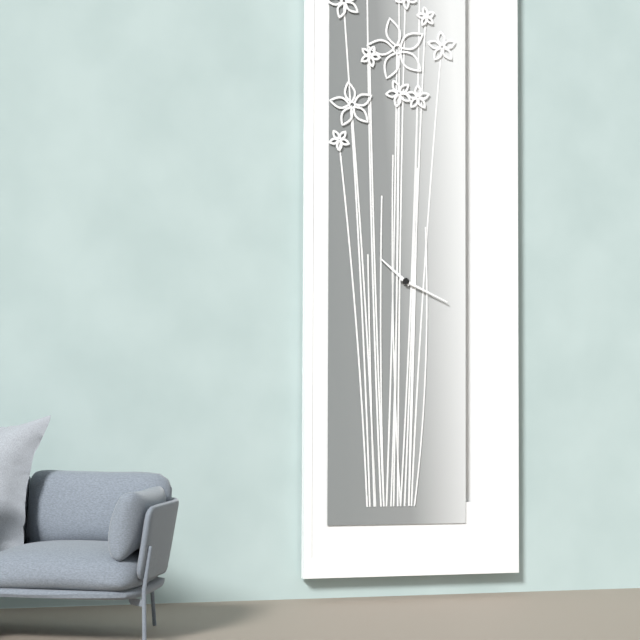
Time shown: {"hour": 10, "minute": 19}
